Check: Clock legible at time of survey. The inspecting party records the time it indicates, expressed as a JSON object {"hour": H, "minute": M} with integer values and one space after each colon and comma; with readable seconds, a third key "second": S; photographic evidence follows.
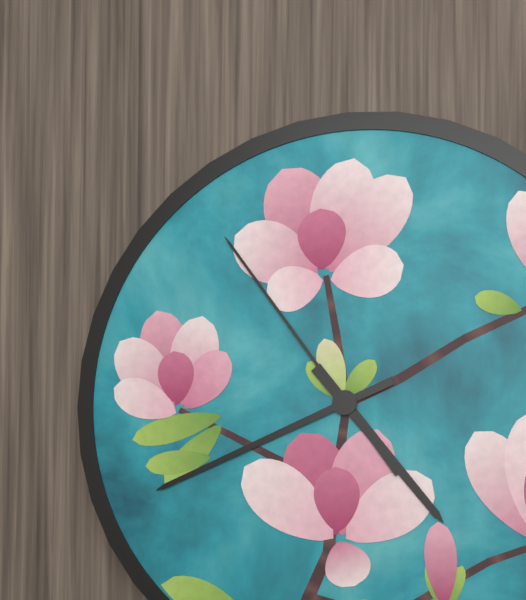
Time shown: {"hour": 4, "minute": 41, "second": 54}
